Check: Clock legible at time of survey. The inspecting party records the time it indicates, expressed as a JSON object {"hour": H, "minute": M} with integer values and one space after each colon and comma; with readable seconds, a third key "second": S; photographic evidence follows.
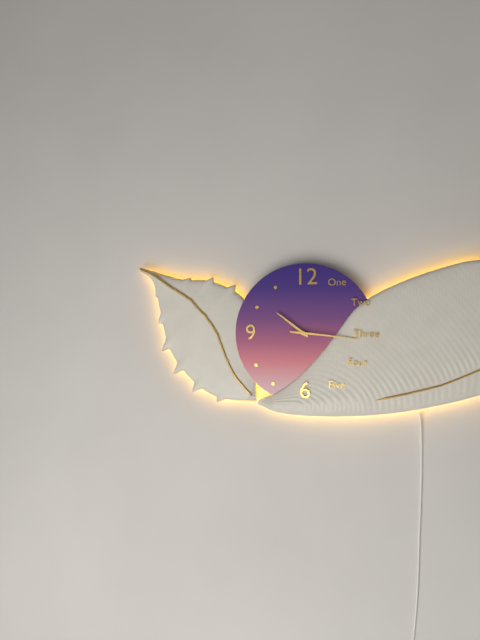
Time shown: {"hour": 10, "minute": 16}
